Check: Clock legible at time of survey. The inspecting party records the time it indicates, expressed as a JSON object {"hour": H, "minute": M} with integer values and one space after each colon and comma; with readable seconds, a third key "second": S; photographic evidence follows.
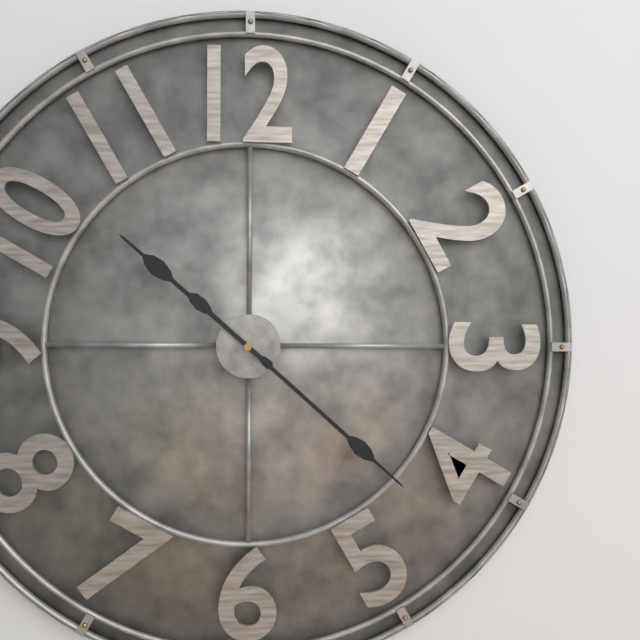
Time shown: {"hour": 10, "minute": 22}
